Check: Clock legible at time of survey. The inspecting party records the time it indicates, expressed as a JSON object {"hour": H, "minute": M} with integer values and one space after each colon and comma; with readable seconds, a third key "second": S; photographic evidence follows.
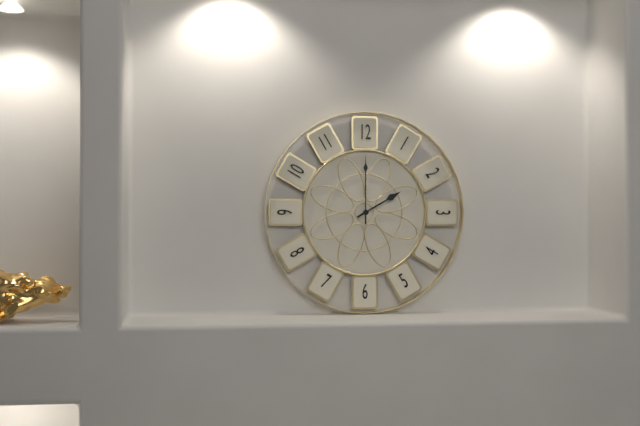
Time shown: {"hour": 2, "minute": 0}
